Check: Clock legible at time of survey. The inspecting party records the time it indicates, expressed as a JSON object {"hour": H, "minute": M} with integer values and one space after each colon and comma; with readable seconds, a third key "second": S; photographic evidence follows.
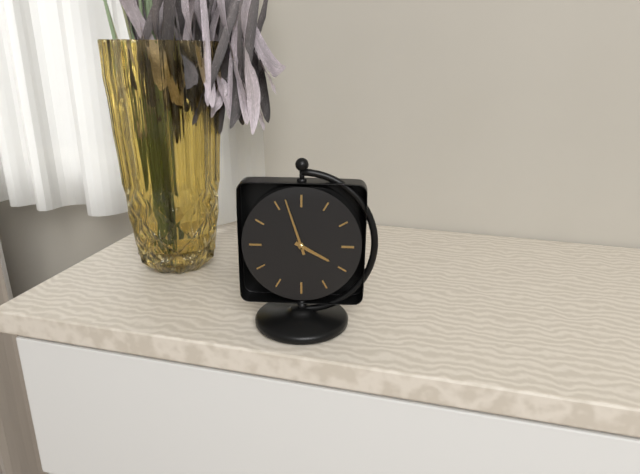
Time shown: {"hour": 3, "minute": 57}
